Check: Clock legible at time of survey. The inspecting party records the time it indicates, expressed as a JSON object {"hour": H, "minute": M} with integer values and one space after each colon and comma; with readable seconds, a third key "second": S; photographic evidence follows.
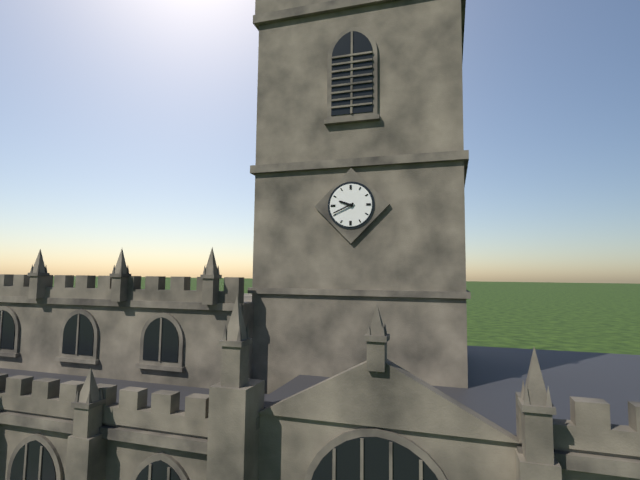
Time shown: {"hour": 9, "minute": 41}
